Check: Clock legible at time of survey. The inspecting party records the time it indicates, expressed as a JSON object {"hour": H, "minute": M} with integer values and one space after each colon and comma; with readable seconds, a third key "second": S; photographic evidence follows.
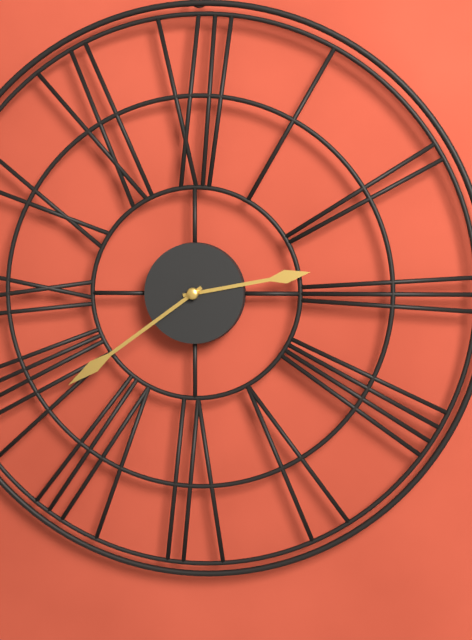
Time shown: {"hour": 2, "minute": 39}
